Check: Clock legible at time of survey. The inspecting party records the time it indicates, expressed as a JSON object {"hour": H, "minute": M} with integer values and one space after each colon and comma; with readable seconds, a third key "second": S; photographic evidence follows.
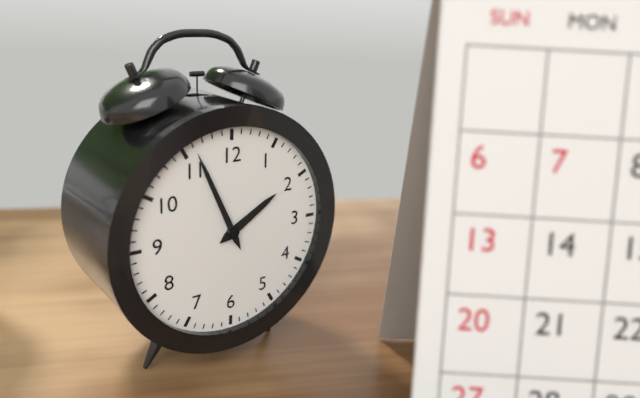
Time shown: {"hour": 1, "minute": 56}
